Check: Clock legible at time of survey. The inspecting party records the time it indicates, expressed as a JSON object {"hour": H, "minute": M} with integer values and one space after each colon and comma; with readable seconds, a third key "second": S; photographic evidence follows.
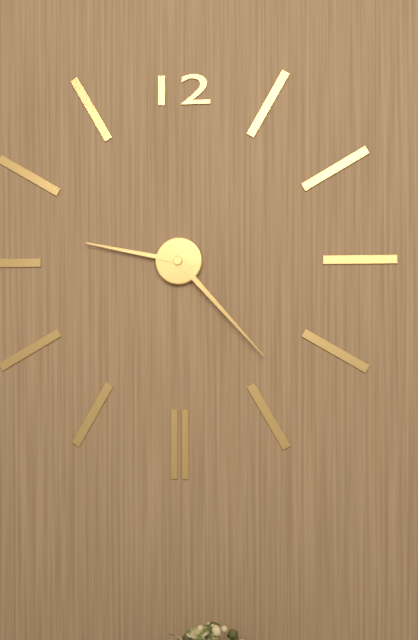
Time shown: {"hour": 9, "minute": 23}
